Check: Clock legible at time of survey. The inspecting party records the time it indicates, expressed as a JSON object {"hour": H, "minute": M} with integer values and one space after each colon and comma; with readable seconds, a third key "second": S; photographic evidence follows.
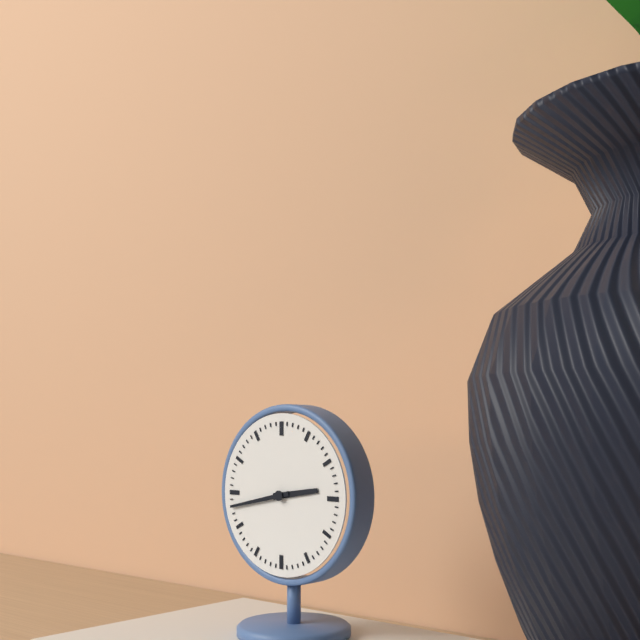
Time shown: {"hour": 2, "minute": 43}
